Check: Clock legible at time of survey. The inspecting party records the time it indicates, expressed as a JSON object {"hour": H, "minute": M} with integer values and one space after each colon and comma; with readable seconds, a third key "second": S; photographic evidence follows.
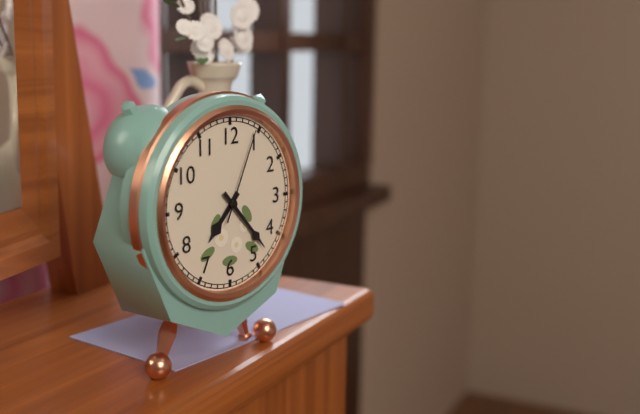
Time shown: {"hour": 7, "minute": 23, "second": 4}
